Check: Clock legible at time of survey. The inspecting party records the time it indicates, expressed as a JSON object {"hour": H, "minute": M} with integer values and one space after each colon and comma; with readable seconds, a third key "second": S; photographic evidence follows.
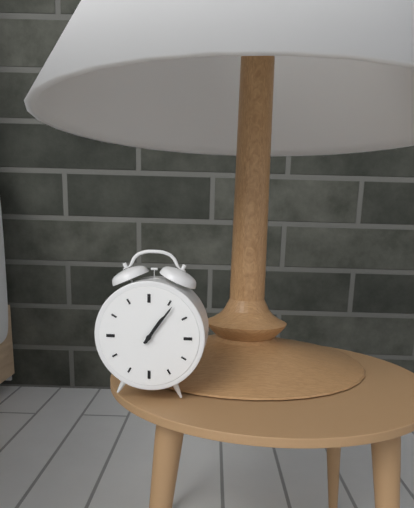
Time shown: {"hour": 1, "minute": 6}
